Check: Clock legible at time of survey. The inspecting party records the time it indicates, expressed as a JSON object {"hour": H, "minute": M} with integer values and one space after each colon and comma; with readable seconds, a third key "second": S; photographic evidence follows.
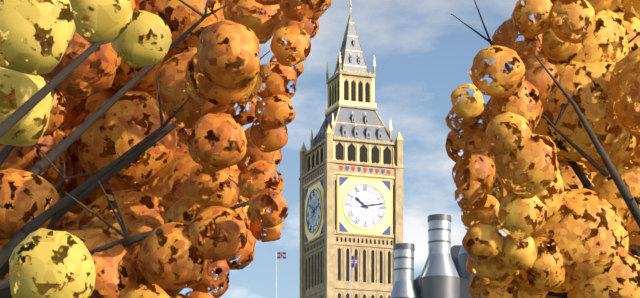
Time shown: {"hour": 10, "minute": 13}
